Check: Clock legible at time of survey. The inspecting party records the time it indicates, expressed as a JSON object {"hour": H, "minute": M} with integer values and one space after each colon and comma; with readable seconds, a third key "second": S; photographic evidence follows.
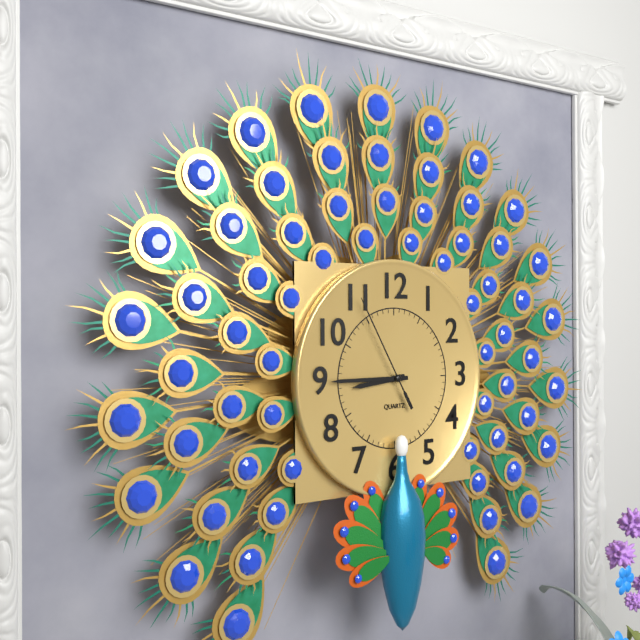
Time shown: {"hour": 8, "minute": 45, "second": 55}
